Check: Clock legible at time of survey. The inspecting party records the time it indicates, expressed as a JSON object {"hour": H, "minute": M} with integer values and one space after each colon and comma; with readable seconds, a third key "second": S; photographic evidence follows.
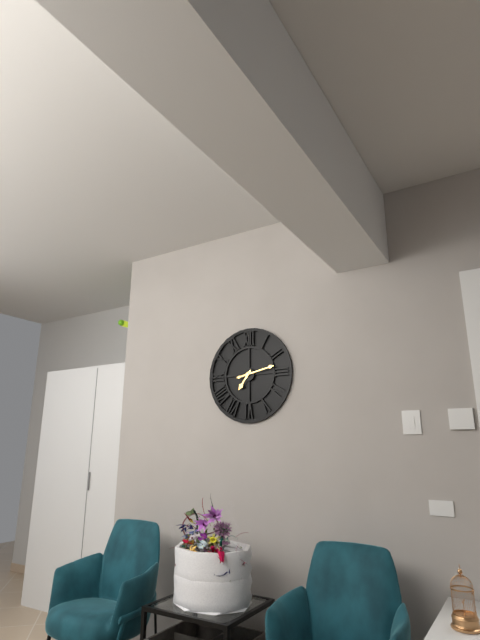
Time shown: {"hour": 7, "minute": 13}
